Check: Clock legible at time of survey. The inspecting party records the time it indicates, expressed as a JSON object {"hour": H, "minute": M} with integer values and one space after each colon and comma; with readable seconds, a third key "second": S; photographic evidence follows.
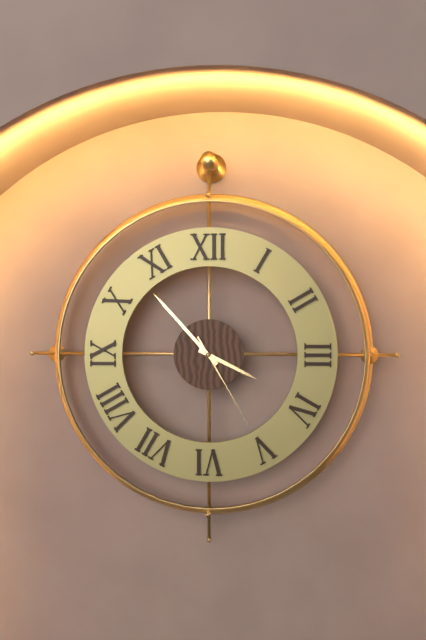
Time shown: {"hour": 3, "minute": 53, "second": 25}
